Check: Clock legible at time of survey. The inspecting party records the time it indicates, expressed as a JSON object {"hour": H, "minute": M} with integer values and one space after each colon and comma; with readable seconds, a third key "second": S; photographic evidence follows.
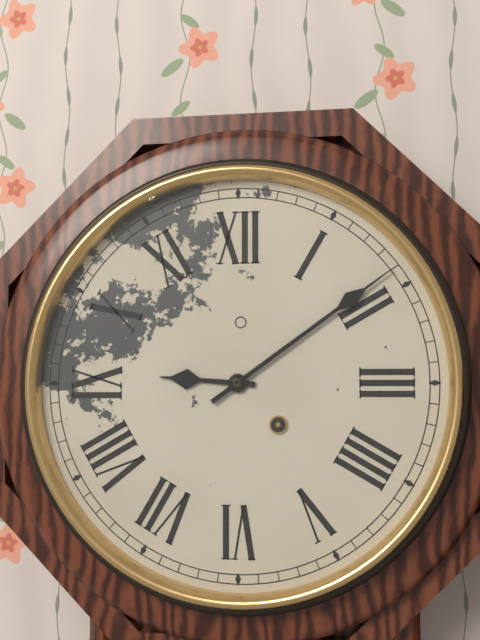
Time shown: {"hour": 9, "minute": 9}
